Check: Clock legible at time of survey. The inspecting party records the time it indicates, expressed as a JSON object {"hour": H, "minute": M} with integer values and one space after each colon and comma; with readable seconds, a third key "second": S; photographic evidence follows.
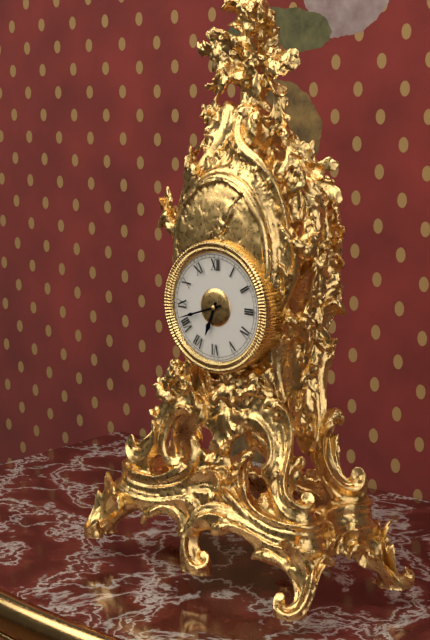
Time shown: {"hour": 6, "minute": 42}
